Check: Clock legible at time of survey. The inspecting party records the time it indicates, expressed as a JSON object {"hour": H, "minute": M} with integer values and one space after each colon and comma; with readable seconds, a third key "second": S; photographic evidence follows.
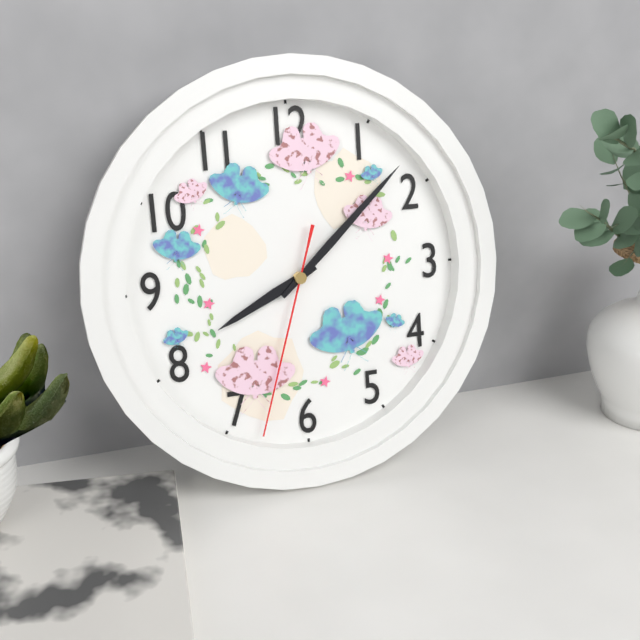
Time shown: {"hour": 8, "minute": 8, "second": 33}
